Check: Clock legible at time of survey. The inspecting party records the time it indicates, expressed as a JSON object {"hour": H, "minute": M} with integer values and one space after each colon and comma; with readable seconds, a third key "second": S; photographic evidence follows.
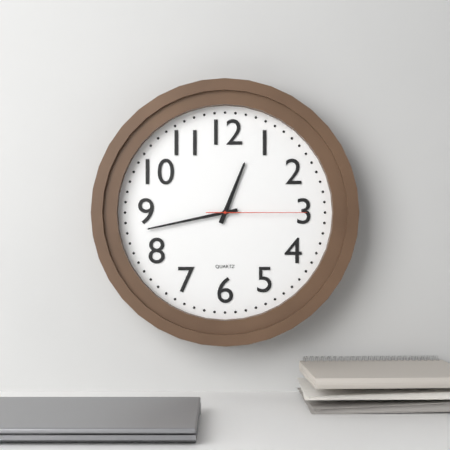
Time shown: {"hour": 12, "minute": 43, "second": 15}
